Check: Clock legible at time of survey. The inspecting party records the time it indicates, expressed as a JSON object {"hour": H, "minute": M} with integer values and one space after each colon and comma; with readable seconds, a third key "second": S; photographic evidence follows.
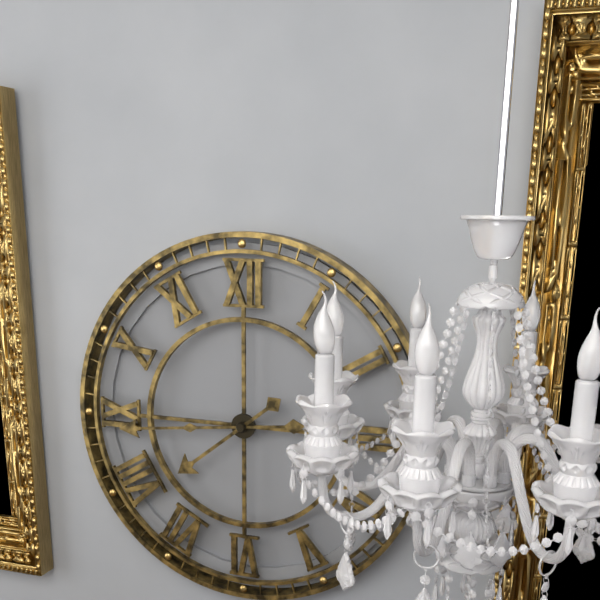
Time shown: {"hour": 7, "minute": 44}
